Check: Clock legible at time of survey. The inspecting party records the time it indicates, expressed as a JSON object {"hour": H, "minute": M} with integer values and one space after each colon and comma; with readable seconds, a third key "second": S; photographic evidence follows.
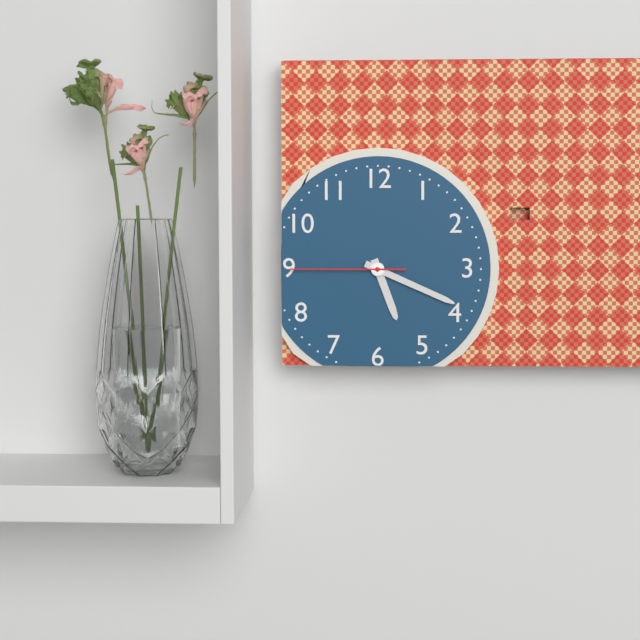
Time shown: {"hour": 5, "minute": 19, "second": 45}
